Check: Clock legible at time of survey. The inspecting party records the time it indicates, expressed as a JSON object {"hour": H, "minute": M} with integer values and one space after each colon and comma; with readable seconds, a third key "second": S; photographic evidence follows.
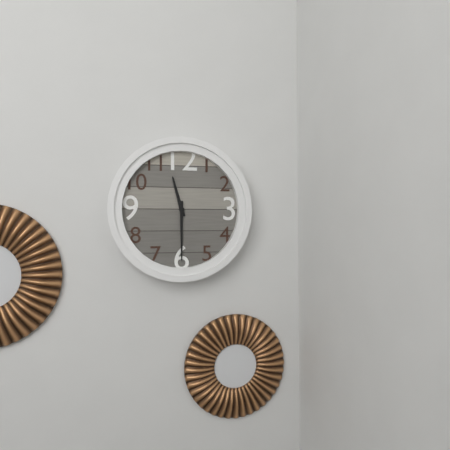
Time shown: {"hour": 11, "minute": 30}
